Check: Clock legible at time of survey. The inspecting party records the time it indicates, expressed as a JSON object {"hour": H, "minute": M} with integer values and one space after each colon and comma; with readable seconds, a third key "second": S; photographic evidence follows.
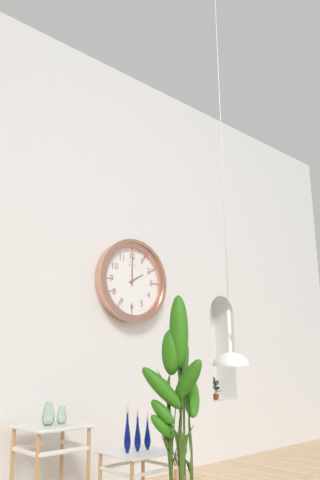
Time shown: {"hour": 2, "minute": 0}
